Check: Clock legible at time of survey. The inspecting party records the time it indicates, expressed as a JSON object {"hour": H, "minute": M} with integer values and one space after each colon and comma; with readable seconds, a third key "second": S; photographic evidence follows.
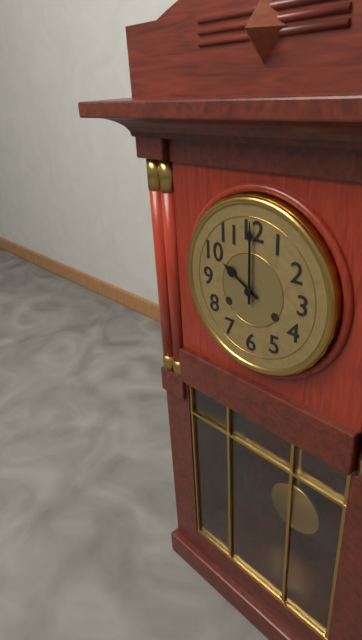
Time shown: {"hour": 10, "minute": 0}
